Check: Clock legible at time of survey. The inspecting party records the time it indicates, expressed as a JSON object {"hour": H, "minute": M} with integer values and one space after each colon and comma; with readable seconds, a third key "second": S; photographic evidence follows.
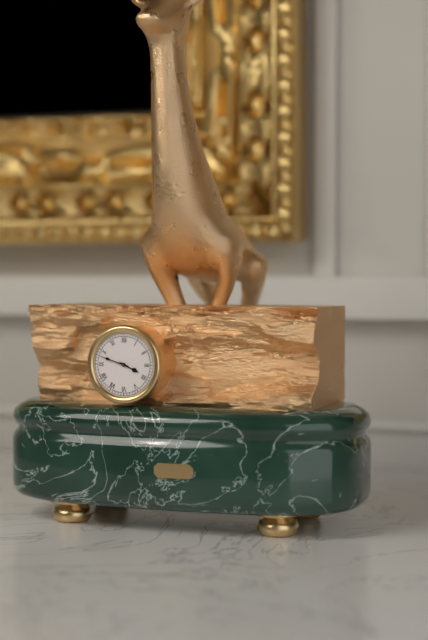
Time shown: {"hour": 3, "minute": 48}
